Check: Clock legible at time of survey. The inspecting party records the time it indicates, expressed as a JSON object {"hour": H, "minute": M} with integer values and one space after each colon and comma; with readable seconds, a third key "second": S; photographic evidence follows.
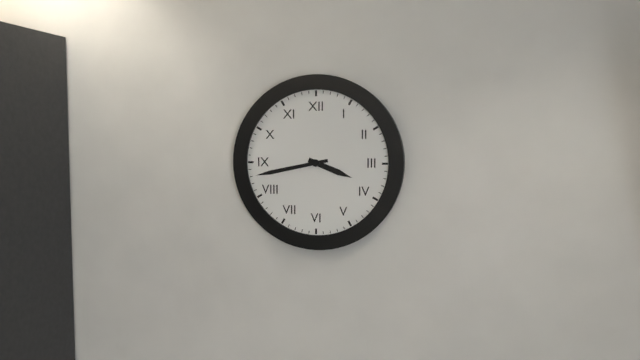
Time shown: {"hour": 3, "minute": 43}
